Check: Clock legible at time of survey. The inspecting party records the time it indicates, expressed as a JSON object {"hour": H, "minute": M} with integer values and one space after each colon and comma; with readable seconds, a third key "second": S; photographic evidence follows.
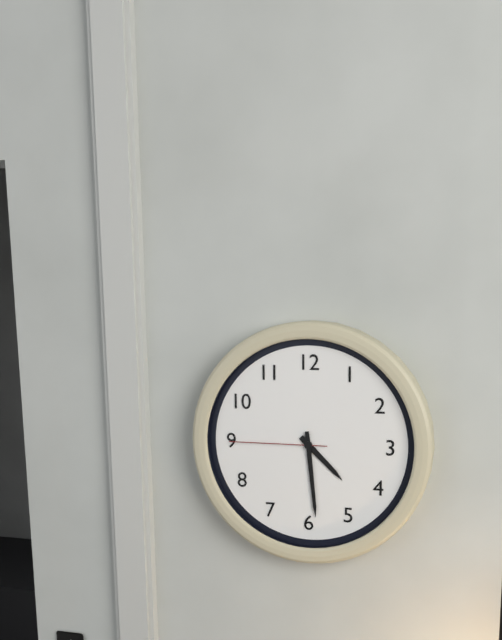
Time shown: {"hour": 4, "minute": 29, "second": 45}
